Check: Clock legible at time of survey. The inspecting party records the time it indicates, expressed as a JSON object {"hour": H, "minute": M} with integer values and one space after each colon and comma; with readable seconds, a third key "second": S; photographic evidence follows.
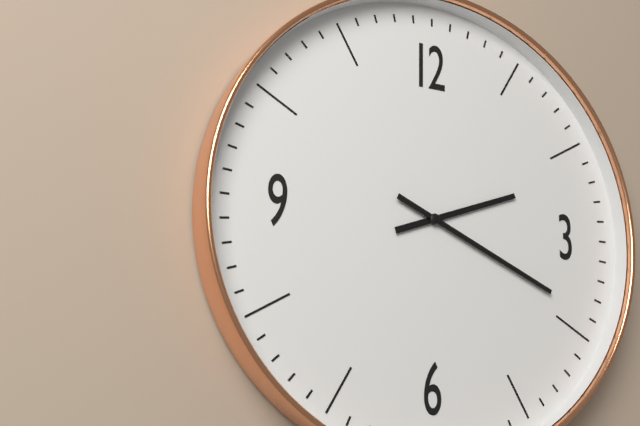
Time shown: {"hour": 2, "minute": 19}
